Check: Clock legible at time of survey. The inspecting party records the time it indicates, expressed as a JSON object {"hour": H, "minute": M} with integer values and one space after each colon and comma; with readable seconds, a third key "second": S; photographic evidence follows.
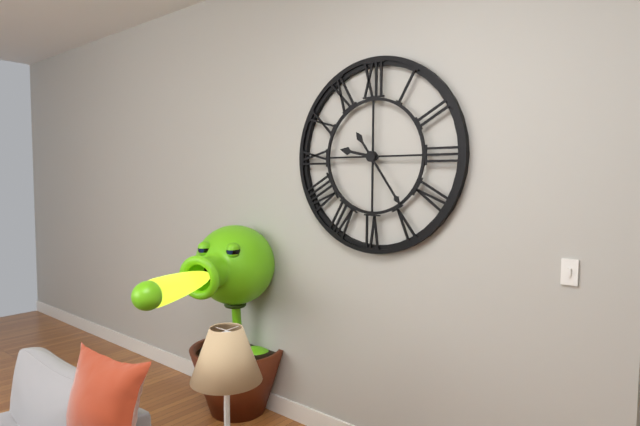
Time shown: {"hour": 9, "minute": 24}
